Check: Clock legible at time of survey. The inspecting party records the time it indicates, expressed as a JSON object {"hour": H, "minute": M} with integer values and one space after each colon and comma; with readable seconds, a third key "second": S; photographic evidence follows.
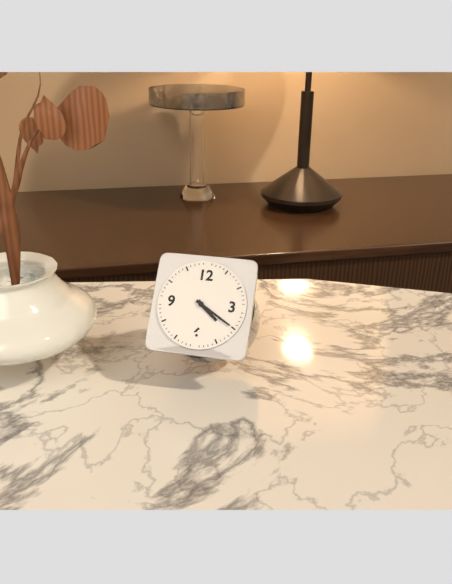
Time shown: {"hour": 4, "minute": 20}
